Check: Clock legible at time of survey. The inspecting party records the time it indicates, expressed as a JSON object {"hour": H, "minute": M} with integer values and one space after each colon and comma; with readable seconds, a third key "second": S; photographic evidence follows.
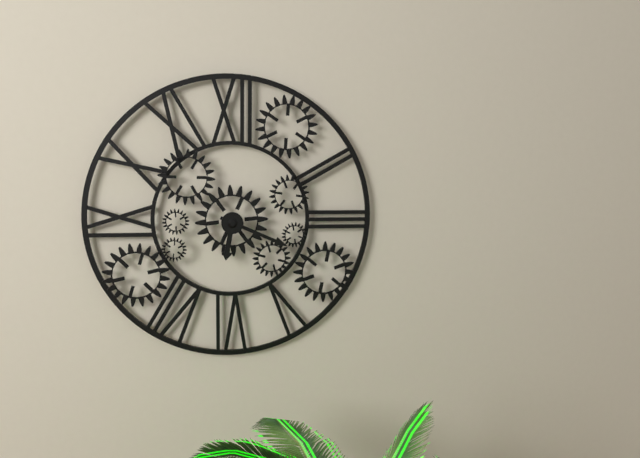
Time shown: {"hour": 6, "minute": 19}
